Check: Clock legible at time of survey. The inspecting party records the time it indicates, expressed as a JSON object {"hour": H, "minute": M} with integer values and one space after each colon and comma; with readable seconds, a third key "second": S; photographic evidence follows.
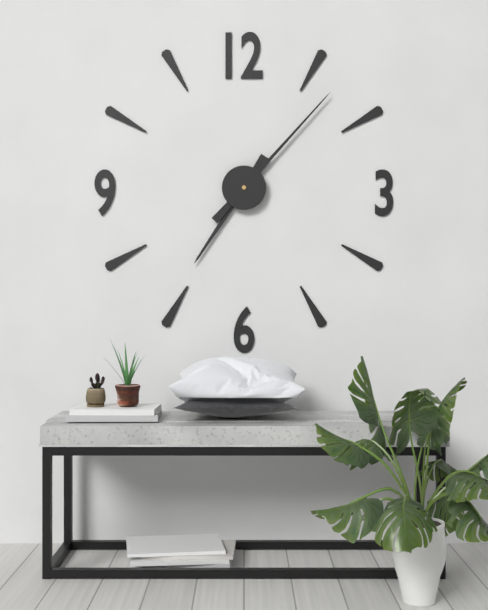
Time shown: {"hour": 7, "minute": 7}
